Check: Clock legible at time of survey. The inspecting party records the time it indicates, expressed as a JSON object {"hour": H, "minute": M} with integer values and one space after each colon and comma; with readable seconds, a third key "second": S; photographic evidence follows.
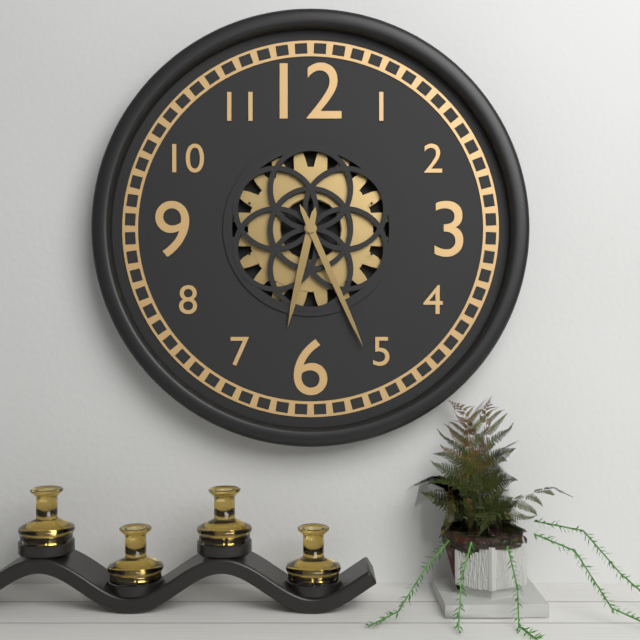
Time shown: {"hour": 6, "minute": 26}
